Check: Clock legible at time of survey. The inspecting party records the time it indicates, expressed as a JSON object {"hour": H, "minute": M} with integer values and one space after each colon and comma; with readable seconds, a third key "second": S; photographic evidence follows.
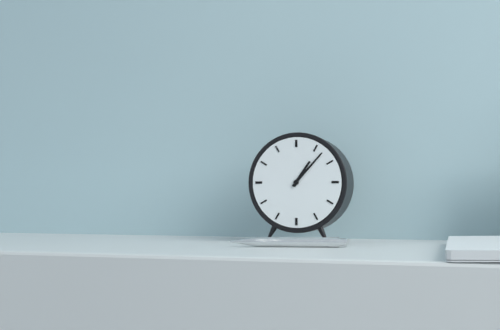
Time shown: {"hour": 1, "minute": 7}
